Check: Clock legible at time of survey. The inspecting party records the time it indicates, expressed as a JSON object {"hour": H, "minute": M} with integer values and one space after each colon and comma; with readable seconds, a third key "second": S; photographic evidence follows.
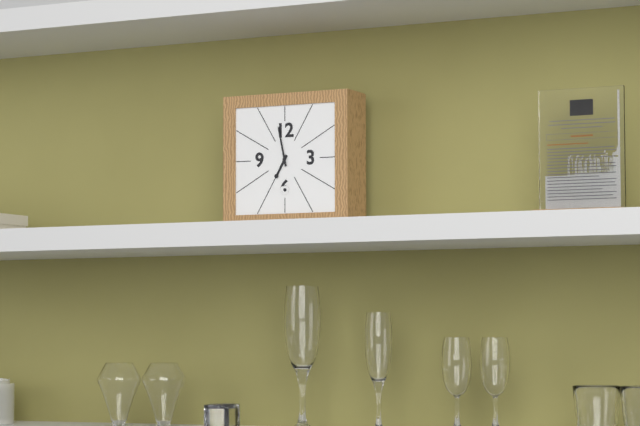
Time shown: {"hour": 6, "minute": 58}
